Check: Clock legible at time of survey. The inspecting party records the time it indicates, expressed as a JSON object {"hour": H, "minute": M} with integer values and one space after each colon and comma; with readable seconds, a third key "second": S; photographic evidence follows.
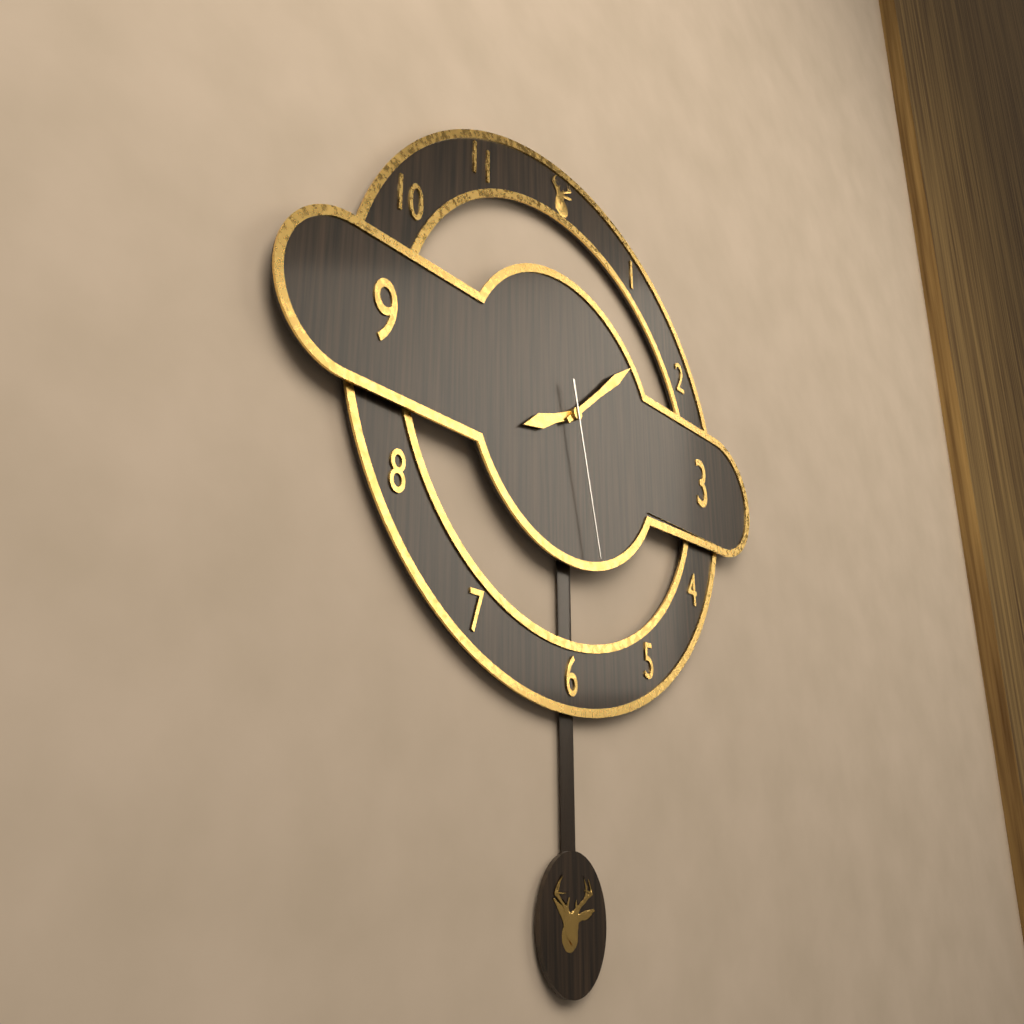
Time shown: {"hour": 8, "minute": 8, "second": 28}
